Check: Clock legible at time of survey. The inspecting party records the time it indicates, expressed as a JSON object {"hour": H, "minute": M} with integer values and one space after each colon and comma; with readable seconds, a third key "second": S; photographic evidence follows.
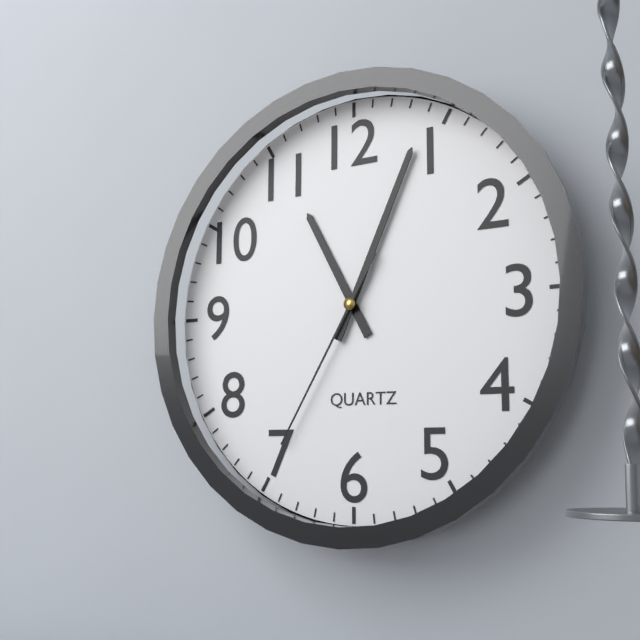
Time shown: {"hour": 11, "minute": 4, "second": 35}
